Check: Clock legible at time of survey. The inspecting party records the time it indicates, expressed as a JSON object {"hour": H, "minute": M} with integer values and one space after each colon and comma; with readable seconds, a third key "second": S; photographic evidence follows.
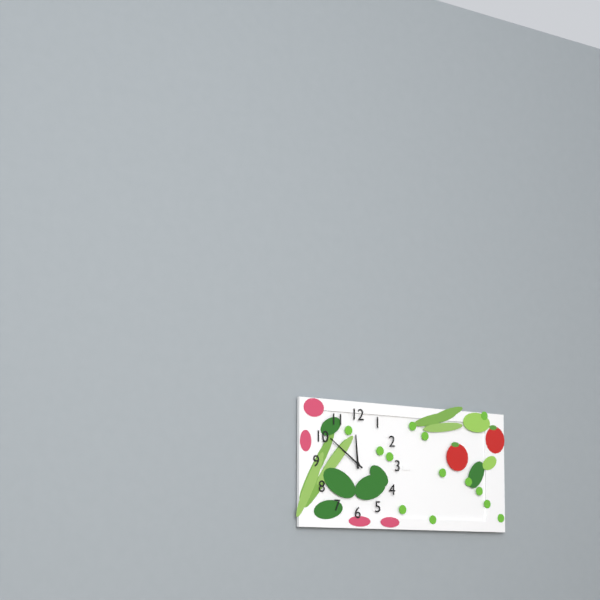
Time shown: {"hour": 11, "minute": 51}
